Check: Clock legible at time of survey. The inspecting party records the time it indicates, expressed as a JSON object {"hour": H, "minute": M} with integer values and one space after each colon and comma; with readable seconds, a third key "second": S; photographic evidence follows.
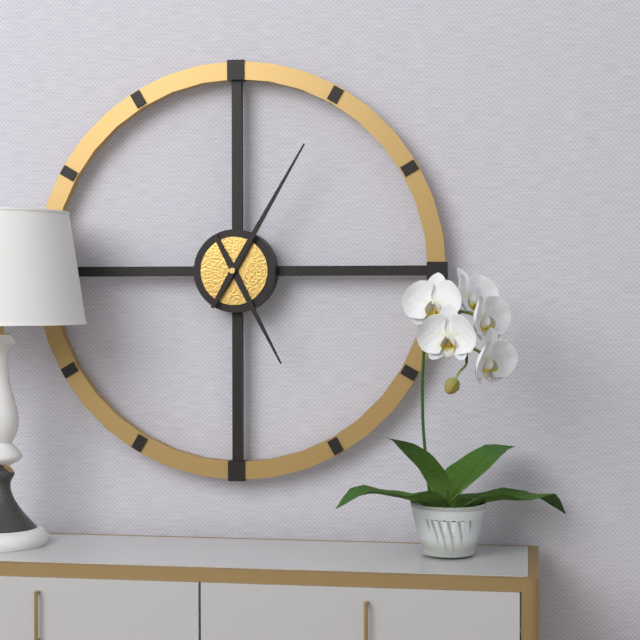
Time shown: {"hour": 5, "minute": 5}
